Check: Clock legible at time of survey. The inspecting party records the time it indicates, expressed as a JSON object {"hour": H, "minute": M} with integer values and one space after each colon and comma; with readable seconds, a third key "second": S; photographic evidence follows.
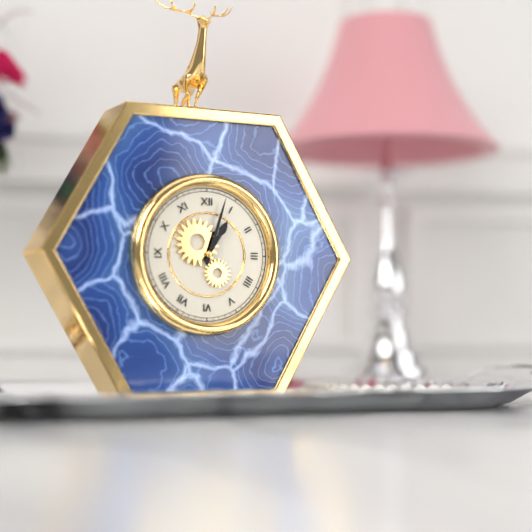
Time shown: {"hour": 1, "minute": 3}
